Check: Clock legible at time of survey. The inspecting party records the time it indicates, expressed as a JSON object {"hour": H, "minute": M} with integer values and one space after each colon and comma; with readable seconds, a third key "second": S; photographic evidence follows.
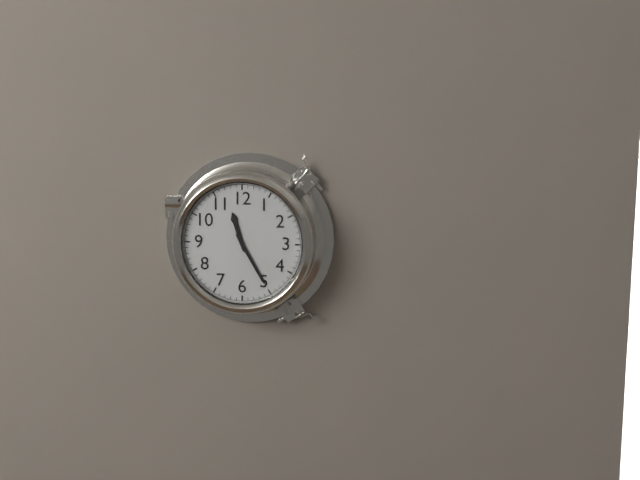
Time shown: {"hour": 11, "minute": 25}
